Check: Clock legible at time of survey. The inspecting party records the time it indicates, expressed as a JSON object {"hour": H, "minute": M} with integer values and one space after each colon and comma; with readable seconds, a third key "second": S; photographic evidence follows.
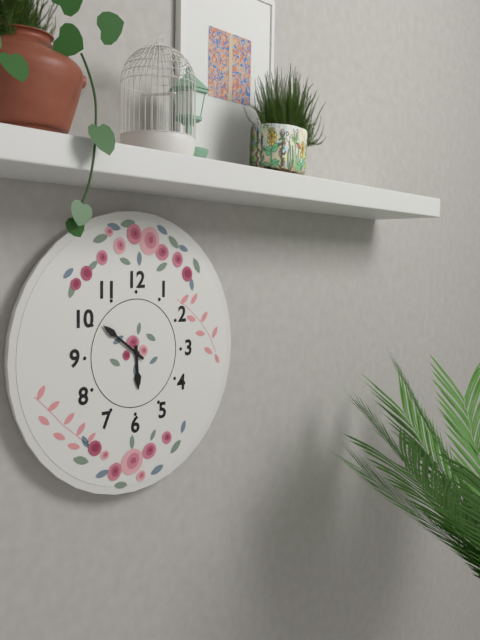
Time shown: {"hour": 5, "minute": 51}
